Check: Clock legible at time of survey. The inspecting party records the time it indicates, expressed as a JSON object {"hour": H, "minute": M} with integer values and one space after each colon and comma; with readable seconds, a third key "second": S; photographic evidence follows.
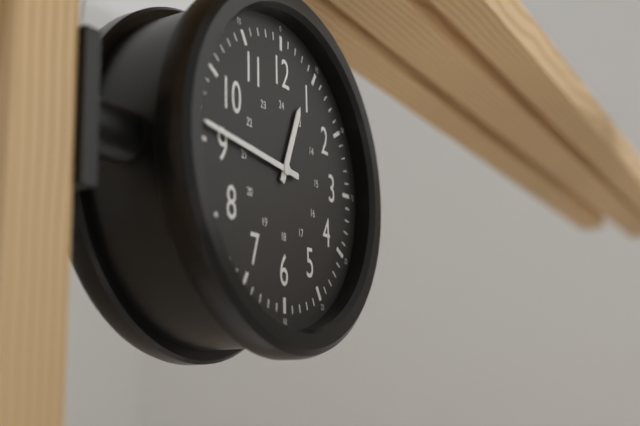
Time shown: {"hour": 12, "minute": 46}
